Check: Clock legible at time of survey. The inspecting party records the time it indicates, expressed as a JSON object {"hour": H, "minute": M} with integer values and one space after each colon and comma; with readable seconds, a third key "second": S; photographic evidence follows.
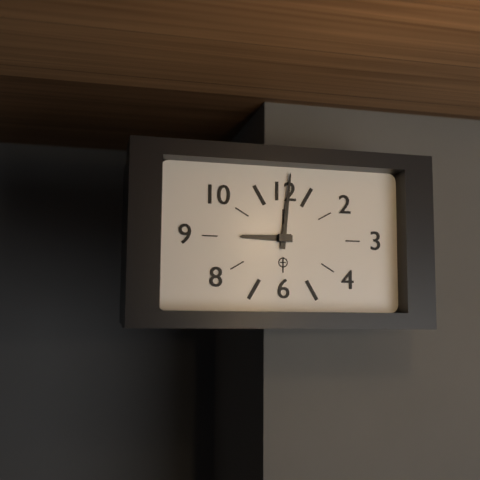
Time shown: {"hour": 9, "minute": 1}
